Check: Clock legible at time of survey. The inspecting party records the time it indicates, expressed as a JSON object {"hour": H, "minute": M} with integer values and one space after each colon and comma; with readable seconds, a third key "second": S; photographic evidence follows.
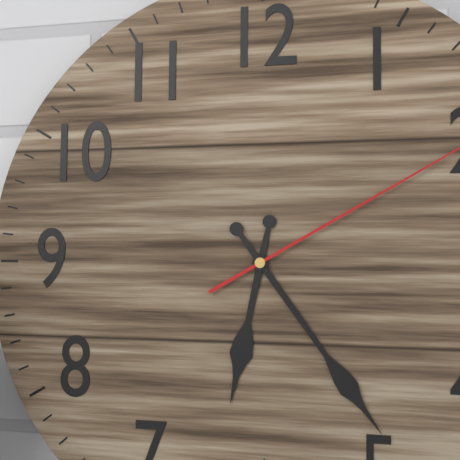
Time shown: {"hour": 6, "minute": 24}
